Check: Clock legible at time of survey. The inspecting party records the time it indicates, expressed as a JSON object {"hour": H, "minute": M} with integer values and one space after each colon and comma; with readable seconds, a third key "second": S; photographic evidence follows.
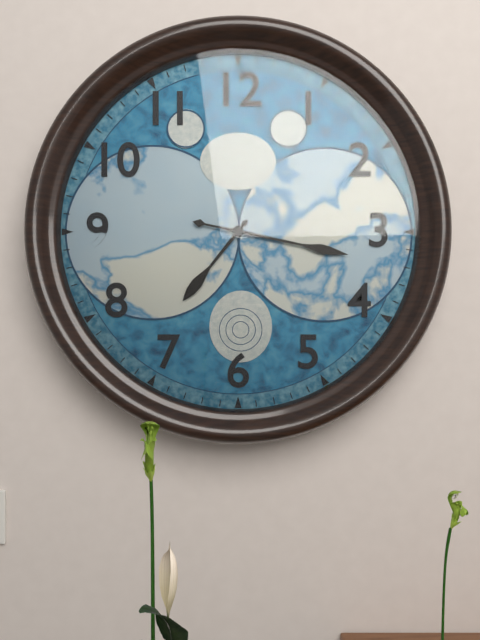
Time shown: {"hour": 7, "minute": 17}
